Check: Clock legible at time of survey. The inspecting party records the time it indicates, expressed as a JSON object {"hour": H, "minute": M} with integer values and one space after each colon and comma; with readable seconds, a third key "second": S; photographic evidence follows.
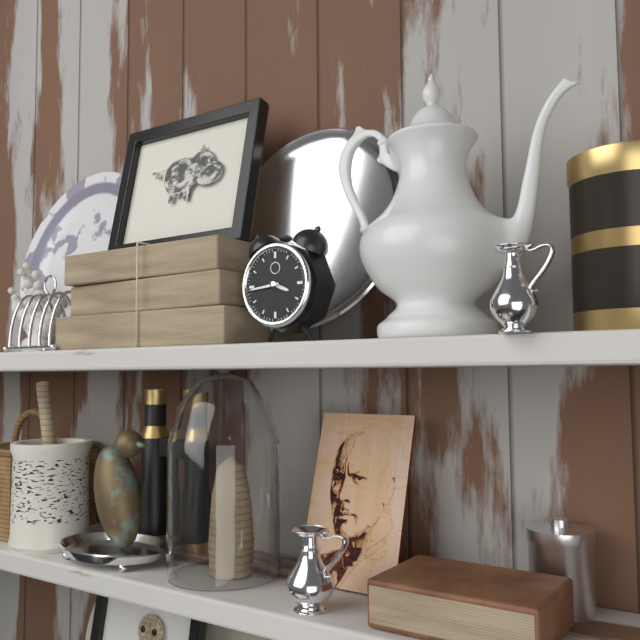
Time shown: {"hour": 3, "minute": 44}
